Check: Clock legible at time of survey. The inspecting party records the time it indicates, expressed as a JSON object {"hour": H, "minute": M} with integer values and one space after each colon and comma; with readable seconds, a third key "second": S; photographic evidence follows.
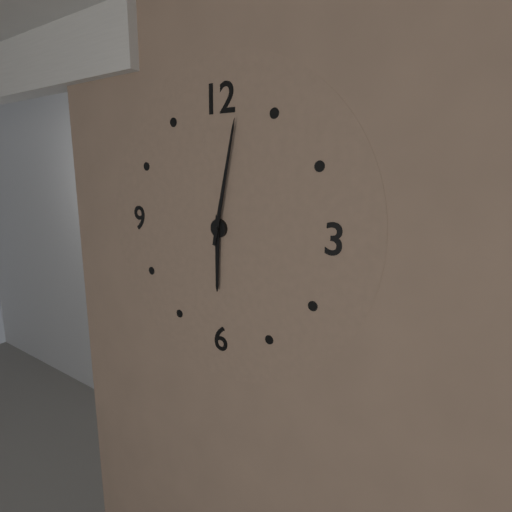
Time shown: {"hour": 6, "minute": 2}
